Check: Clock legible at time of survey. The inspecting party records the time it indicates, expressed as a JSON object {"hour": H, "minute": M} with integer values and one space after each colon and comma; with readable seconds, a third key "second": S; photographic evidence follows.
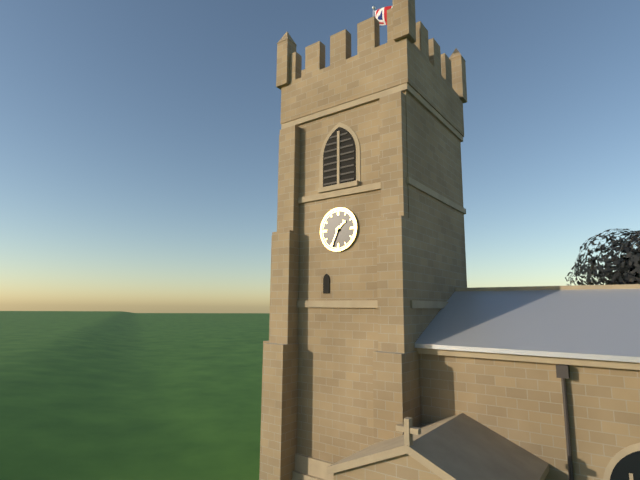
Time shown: {"hour": 1, "minute": 34}
